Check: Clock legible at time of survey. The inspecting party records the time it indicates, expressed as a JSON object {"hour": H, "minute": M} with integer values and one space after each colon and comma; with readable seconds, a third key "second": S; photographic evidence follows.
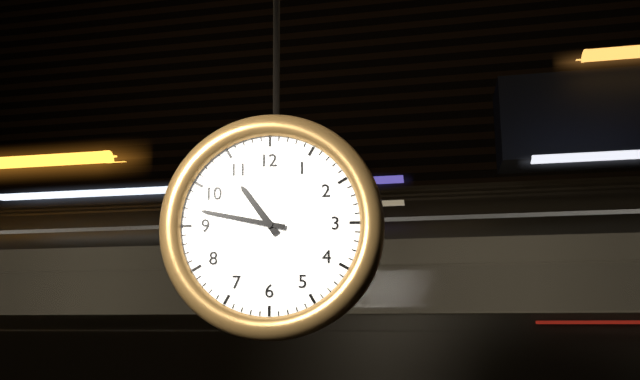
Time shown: {"hour": 10, "minute": 47}
